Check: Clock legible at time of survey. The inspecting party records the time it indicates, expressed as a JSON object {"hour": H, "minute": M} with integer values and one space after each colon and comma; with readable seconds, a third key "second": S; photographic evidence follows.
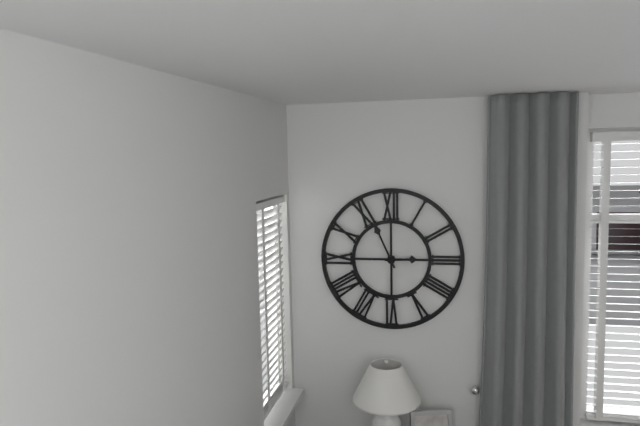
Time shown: {"hour": 2, "minute": 56}
